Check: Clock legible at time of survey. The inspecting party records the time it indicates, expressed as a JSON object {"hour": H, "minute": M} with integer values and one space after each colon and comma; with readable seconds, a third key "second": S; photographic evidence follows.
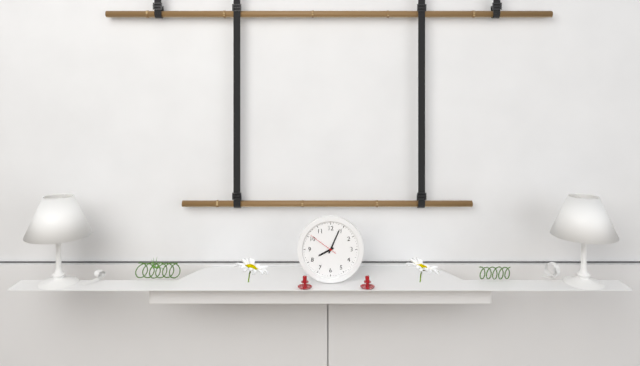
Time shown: {"hour": 8, "minute": 4}
